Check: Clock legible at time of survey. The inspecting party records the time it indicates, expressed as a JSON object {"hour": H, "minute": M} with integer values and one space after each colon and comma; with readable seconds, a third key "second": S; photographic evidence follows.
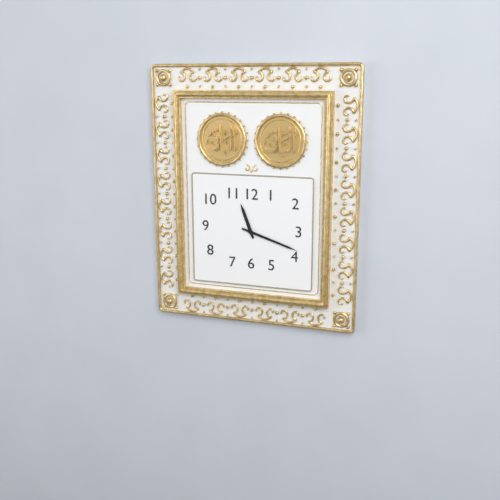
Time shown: {"hour": 11, "minute": 18}
